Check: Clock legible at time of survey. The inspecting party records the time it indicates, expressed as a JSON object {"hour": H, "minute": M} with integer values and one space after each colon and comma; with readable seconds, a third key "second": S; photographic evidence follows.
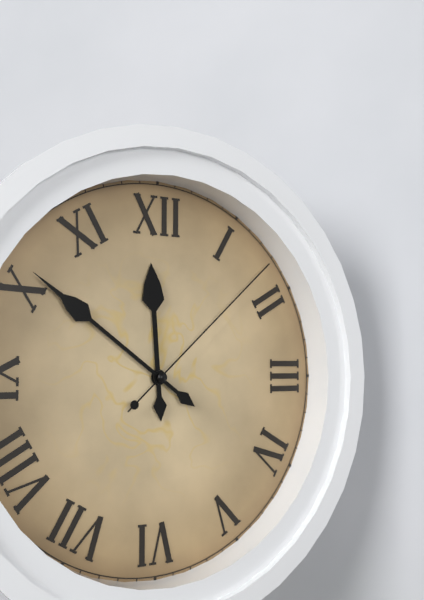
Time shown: {"hour": 11, "minute": 51, "second": 8}
